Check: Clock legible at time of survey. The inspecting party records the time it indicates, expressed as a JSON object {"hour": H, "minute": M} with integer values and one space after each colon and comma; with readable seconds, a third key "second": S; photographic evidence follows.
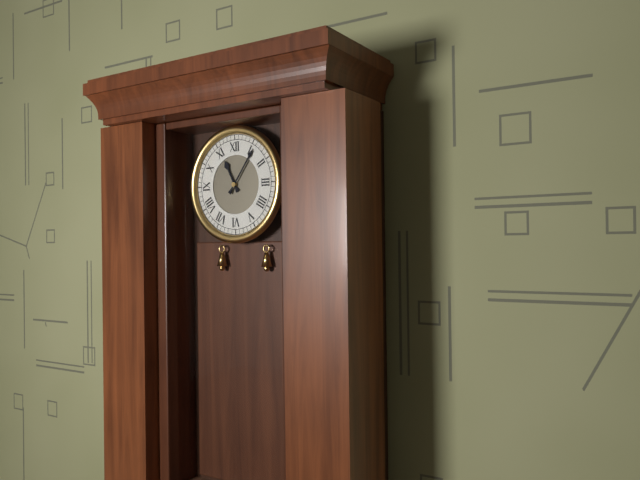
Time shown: {"hour": 11, "minute": 6}
